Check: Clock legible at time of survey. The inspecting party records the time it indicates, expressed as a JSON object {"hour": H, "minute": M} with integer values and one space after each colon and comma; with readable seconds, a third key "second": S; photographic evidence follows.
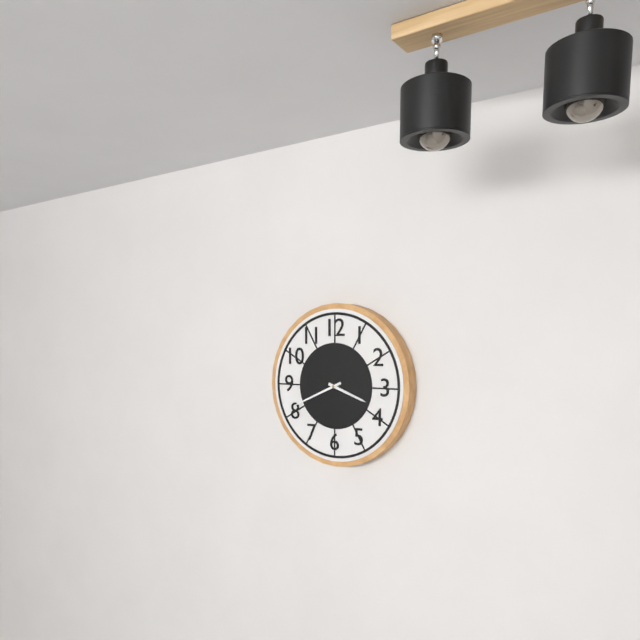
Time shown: {"hour": 3, "minute": 41}
